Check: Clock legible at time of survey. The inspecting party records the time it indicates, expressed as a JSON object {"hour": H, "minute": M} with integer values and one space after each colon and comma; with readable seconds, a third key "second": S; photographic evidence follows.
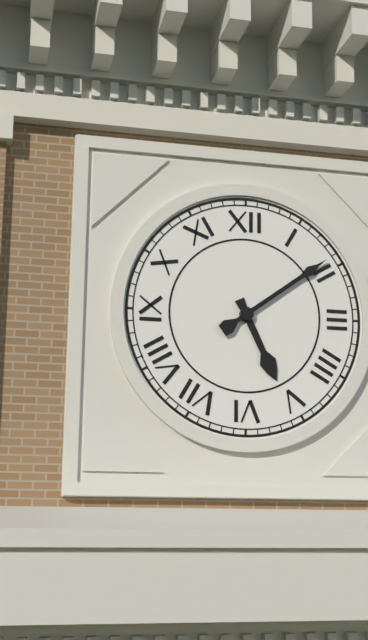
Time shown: {"hour": 5, "minute": 9}
